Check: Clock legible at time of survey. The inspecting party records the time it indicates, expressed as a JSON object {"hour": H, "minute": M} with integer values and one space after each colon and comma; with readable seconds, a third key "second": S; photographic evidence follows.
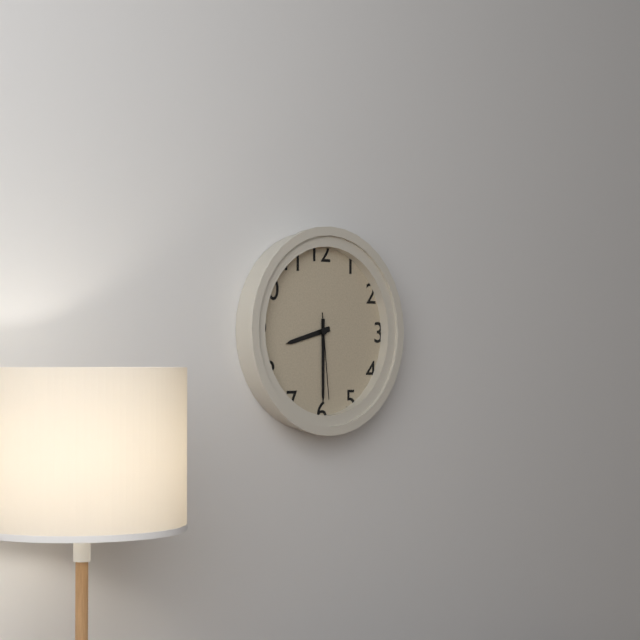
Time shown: {"hour": 8, "minute": 30, "second": 29}
